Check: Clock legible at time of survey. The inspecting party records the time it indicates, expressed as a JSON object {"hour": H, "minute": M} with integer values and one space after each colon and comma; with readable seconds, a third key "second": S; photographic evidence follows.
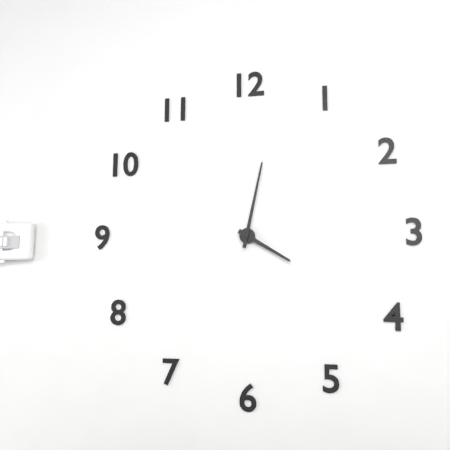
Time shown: {"hour": 4, "minute": 2}
